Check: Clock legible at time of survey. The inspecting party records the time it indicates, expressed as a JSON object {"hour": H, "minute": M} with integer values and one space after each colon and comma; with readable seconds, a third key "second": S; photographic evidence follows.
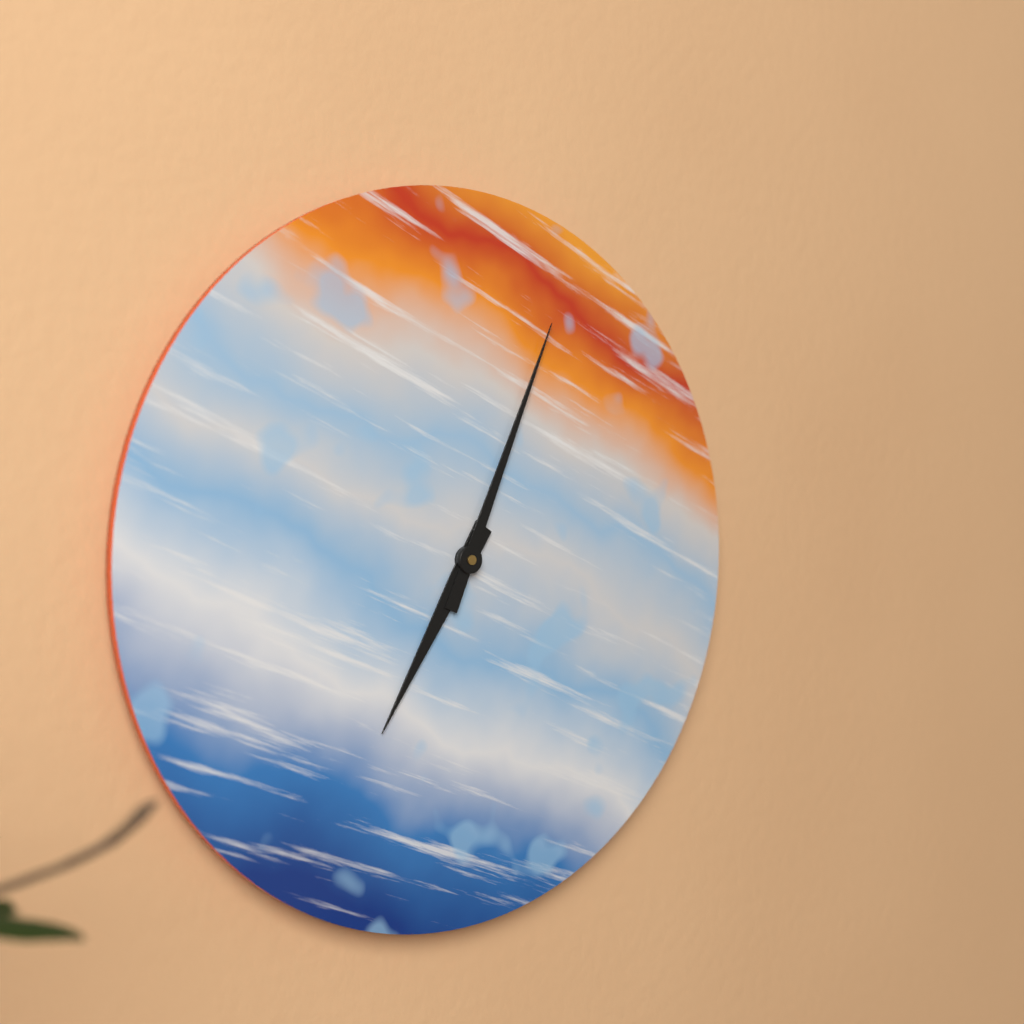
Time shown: {"hour": 7, "minute": 4}
